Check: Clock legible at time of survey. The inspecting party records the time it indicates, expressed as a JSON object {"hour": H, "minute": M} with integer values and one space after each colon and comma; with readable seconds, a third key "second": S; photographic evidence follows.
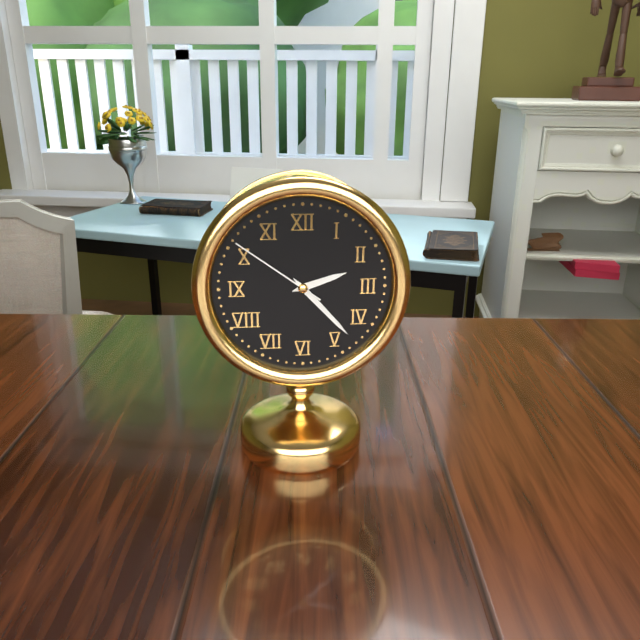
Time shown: {"hour": 2, "minute": 23, "second": 51}
